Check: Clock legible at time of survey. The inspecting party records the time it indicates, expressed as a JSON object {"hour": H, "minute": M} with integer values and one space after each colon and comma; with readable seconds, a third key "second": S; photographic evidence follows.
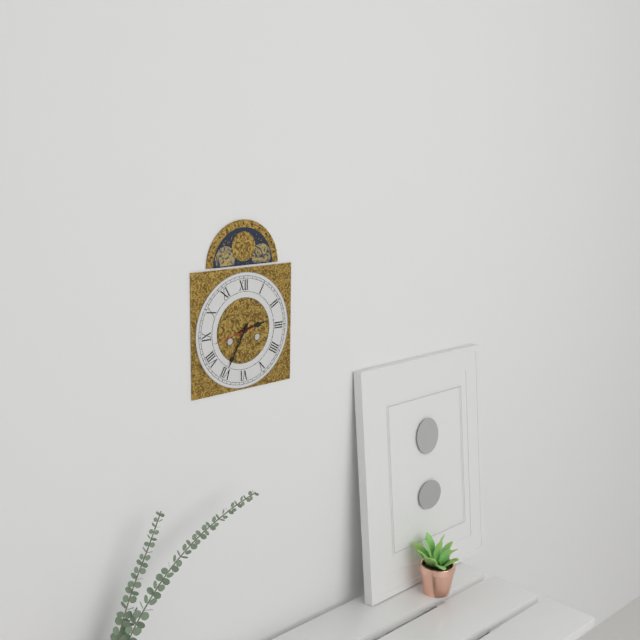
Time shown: {"hour": 2, "minute": 35}
